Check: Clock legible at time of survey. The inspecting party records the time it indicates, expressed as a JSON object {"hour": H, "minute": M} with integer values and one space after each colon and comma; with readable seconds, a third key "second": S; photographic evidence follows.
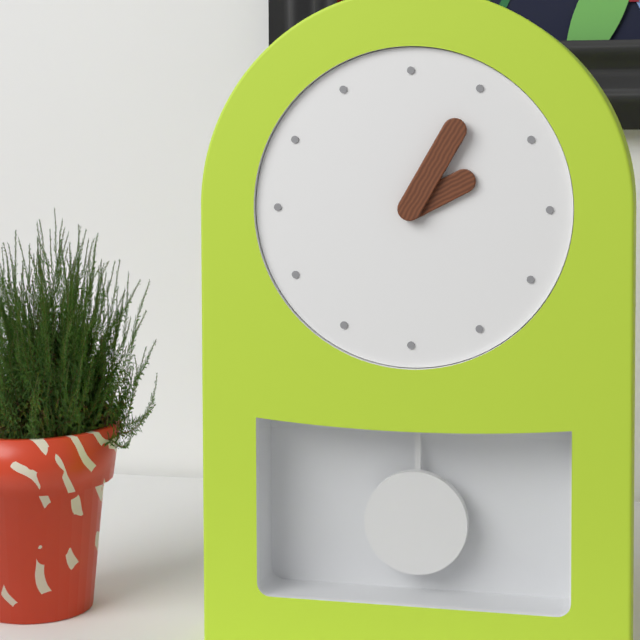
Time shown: {"hour": 2, "minute": 5}
